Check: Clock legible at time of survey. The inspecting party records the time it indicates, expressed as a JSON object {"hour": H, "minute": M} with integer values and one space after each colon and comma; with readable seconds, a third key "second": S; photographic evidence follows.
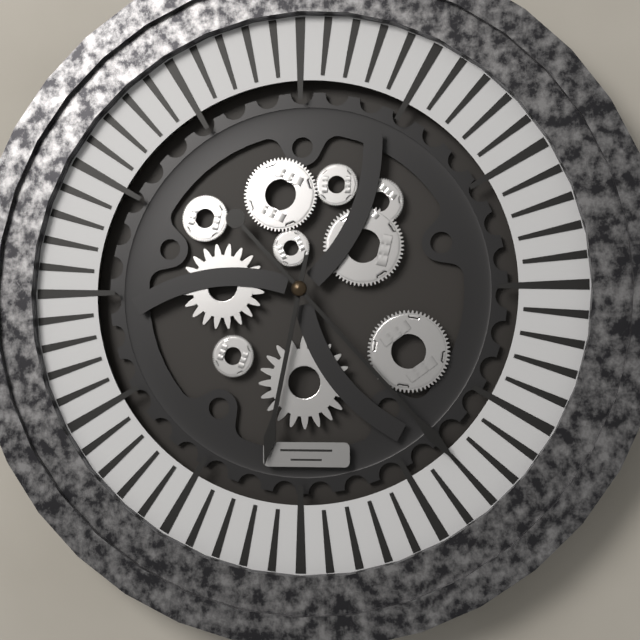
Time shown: {"hour": 6, "minute": 23}
